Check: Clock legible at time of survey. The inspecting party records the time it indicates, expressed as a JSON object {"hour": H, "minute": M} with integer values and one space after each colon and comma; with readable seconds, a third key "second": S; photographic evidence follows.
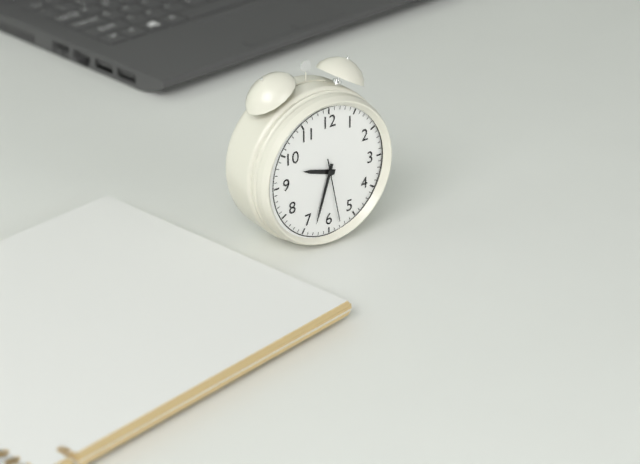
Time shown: {"hour": 9, "minute": 33, "second": 28}
